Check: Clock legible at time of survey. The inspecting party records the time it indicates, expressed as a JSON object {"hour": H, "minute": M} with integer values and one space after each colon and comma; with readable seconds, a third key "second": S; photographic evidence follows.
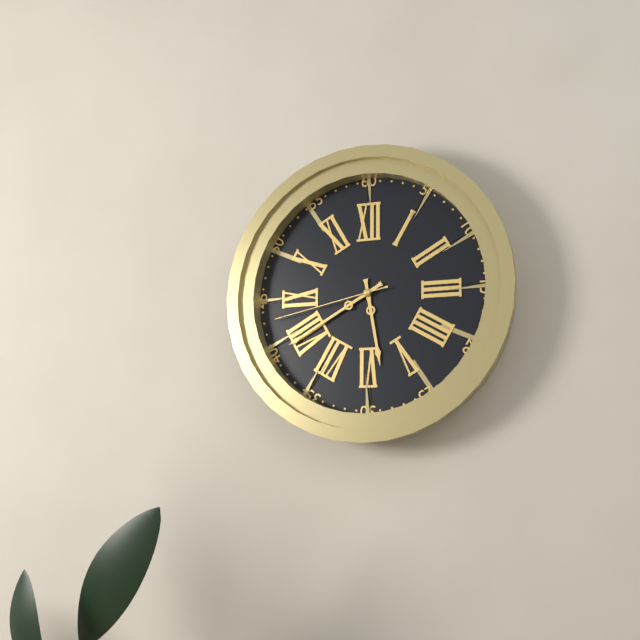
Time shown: {"hour": 5, "minute": 40, "second": 43}
